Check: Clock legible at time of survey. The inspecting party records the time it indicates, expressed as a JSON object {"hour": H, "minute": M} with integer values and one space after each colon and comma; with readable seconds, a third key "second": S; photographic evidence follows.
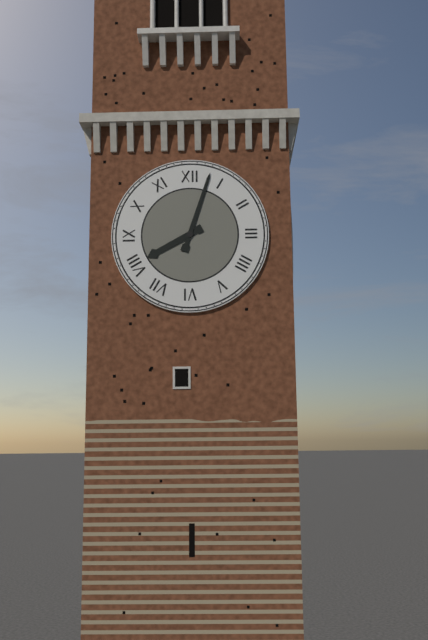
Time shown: {"hour": 8, "minute": 3}
